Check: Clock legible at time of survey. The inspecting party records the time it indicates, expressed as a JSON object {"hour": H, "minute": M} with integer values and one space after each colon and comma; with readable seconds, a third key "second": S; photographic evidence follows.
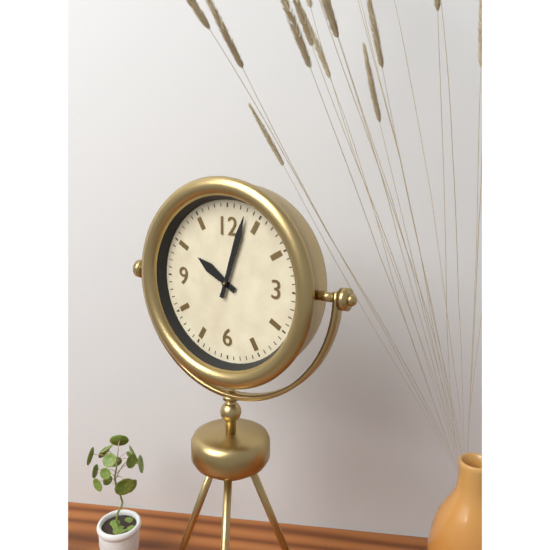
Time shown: {"hour": 10, "minute": 3}
